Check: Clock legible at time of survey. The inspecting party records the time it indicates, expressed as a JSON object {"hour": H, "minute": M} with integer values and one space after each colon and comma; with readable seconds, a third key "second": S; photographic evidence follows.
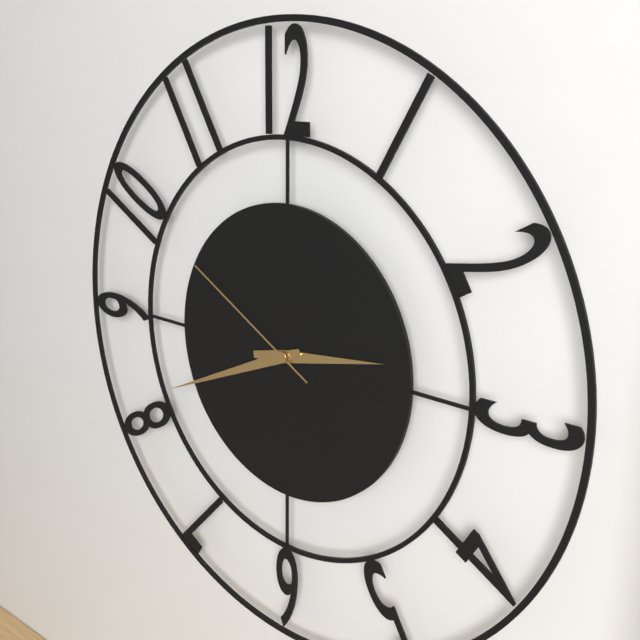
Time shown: {"hour": 2, "minute": 41, "second": 50}
